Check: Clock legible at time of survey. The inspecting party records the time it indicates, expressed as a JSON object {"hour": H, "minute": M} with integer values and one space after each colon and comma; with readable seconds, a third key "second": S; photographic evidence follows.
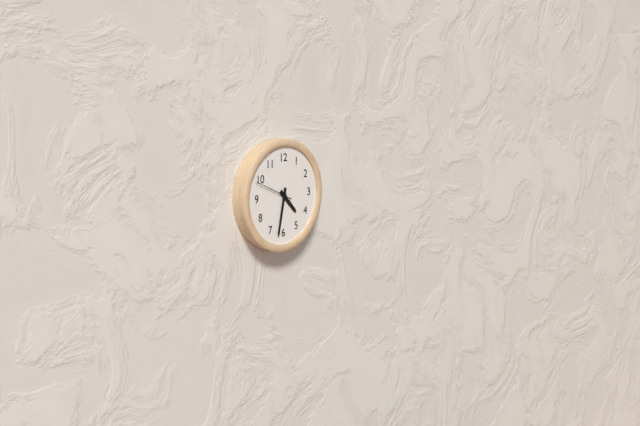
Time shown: {"hour": 4, "minute": 32}
